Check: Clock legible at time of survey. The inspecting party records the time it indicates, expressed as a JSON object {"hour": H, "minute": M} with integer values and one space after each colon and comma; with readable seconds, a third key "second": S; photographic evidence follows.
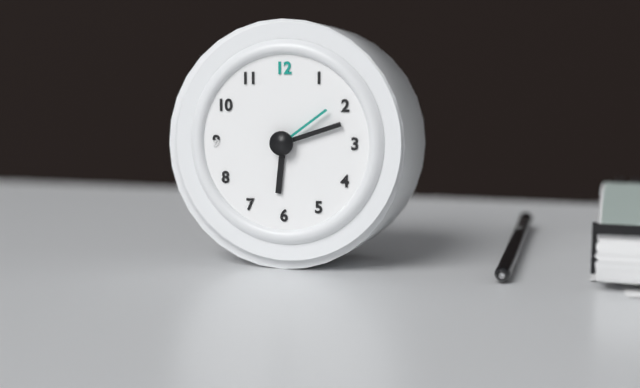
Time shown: {"hour": 6, "minute": 12, "second": 9}
